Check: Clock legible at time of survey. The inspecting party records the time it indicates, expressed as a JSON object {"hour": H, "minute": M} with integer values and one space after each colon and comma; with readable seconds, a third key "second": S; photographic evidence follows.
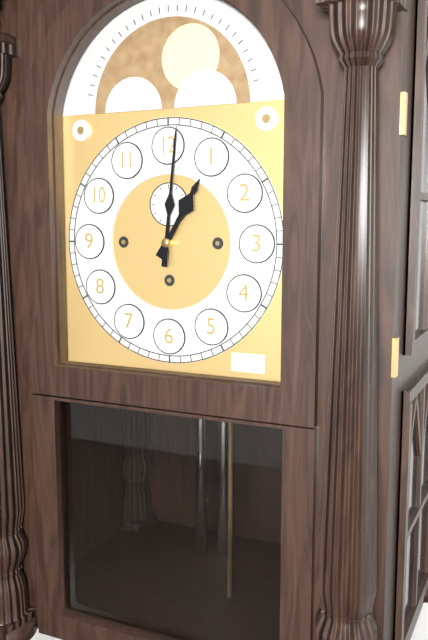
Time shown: {"hour": 1, "minute": 1}
